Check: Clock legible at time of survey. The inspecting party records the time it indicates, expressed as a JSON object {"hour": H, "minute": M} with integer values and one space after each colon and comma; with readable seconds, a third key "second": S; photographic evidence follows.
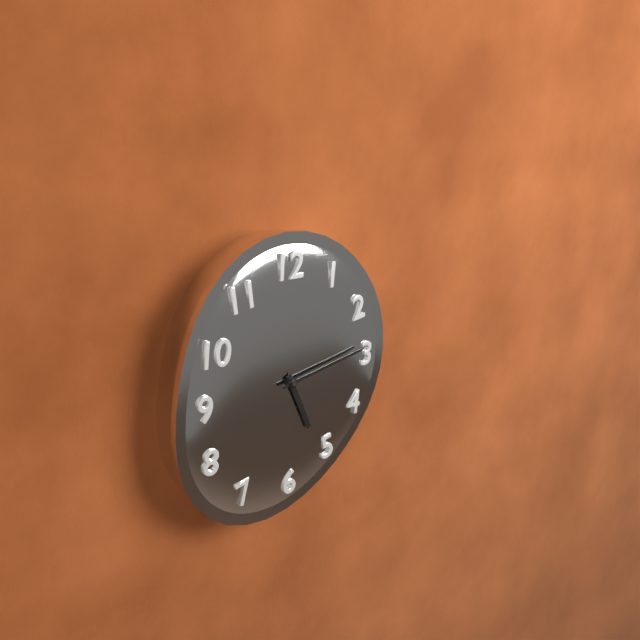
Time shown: {"hour": 5, "minute": 14}
